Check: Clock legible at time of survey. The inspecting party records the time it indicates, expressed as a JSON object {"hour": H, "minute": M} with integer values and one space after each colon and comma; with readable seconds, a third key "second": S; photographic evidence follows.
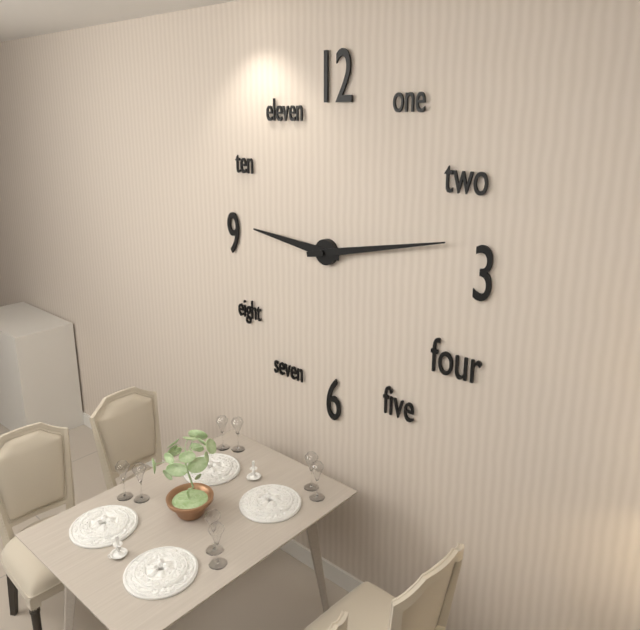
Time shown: {"hour": 9, "minute": 13}
